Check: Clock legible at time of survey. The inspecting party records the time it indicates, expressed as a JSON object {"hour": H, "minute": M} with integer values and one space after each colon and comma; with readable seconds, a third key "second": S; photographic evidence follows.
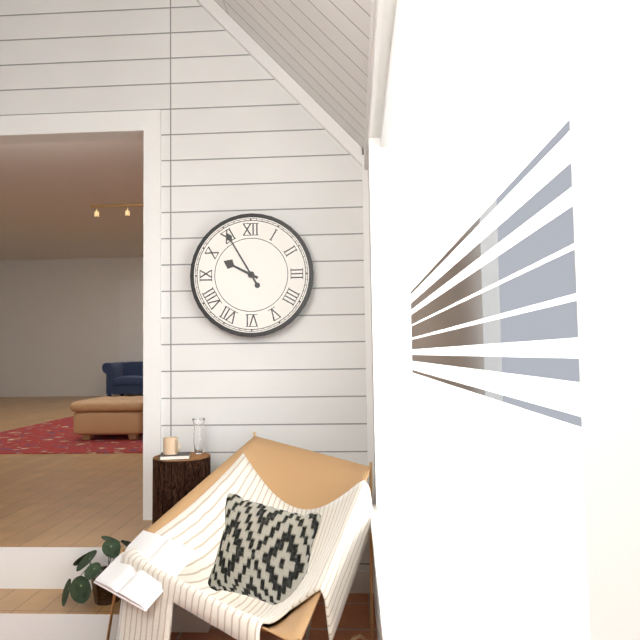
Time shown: {"hour": 9, "minute": 55}
